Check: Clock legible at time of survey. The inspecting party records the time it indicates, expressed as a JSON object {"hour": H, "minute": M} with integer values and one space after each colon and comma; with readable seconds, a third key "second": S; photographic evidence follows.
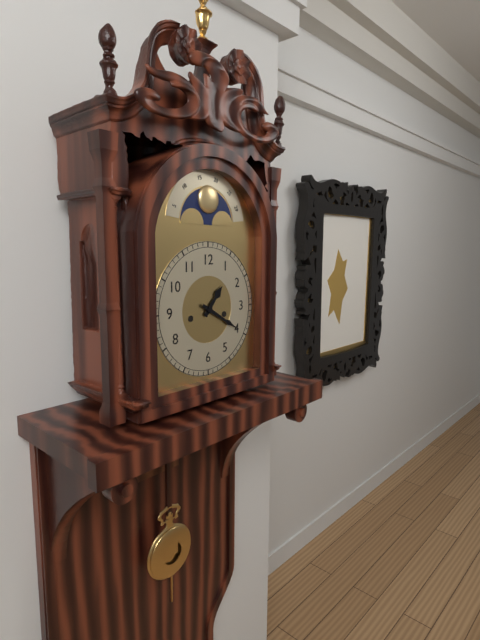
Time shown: {"hour": 1, "minute": 20}
